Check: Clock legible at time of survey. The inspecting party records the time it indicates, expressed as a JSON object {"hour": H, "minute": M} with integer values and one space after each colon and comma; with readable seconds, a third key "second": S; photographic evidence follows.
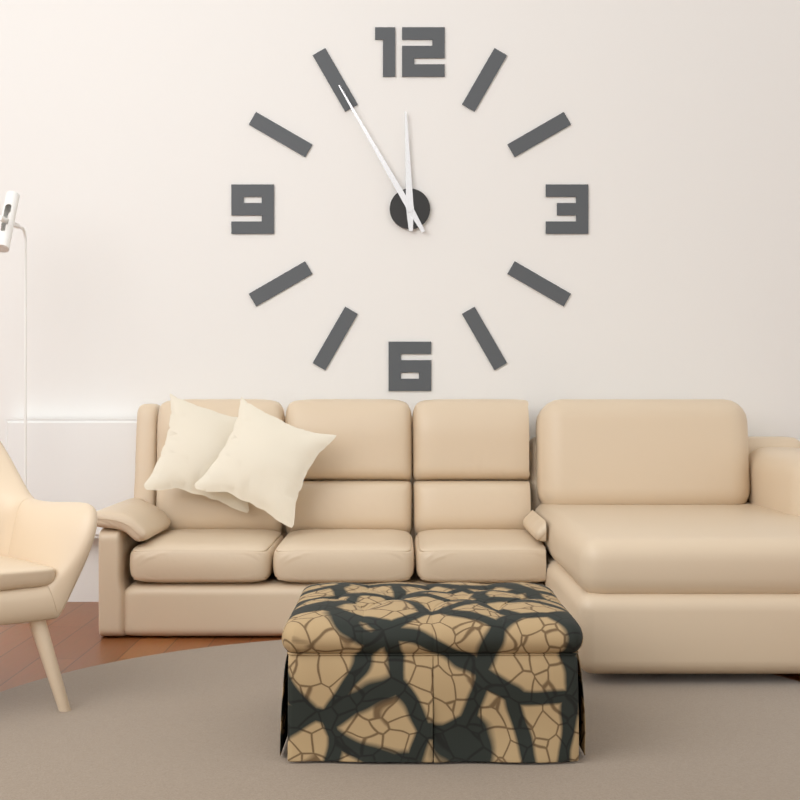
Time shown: {"hour": 11, "minute": 55}
